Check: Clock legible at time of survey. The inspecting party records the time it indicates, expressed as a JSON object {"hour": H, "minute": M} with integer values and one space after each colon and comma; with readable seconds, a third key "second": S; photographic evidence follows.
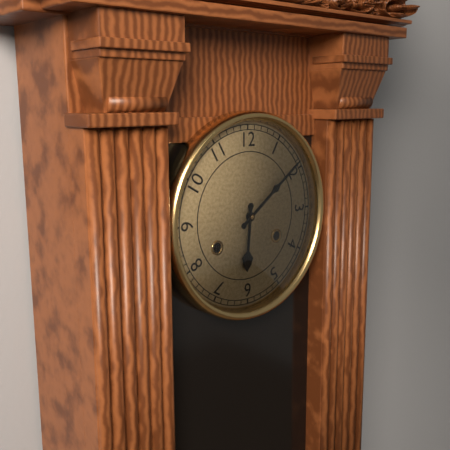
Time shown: {"hour": 6, "minute": 9}
